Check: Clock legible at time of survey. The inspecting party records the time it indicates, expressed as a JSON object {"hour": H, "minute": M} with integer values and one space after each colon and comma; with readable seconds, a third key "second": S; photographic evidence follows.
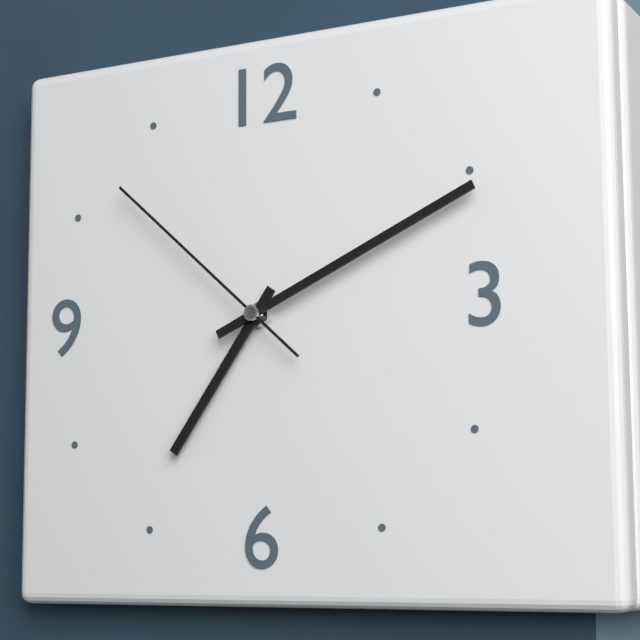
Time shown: {"hour": 7, "minute": 11, "second": 52}
